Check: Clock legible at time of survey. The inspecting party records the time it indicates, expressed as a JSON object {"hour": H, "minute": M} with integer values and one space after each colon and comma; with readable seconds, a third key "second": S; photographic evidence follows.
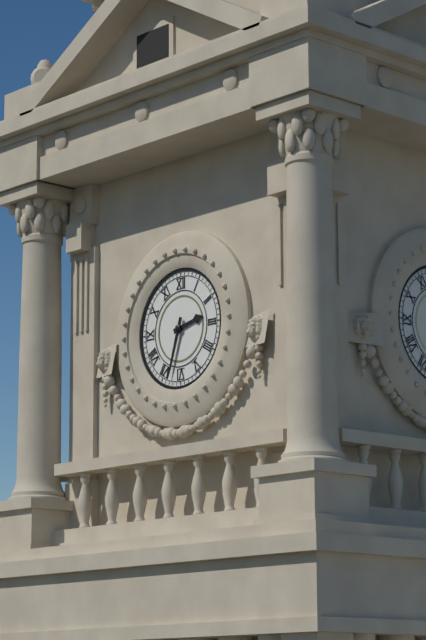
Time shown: {"hour": 2, "minute": 33}
